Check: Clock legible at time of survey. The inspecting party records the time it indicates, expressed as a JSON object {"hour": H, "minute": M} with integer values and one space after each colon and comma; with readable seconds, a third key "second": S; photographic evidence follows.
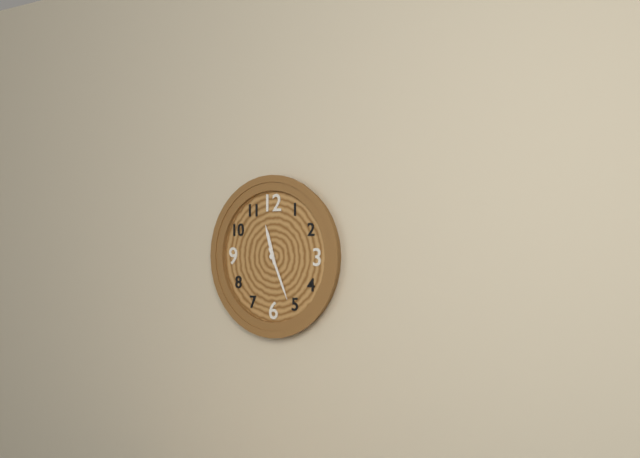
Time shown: {"hour": 11, "minute": 26}
